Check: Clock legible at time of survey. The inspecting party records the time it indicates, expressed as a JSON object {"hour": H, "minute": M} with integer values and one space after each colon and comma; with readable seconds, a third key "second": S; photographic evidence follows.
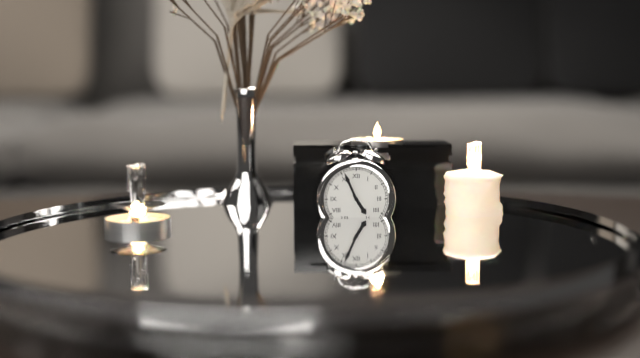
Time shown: {"hour": 4, "minute": 56}
